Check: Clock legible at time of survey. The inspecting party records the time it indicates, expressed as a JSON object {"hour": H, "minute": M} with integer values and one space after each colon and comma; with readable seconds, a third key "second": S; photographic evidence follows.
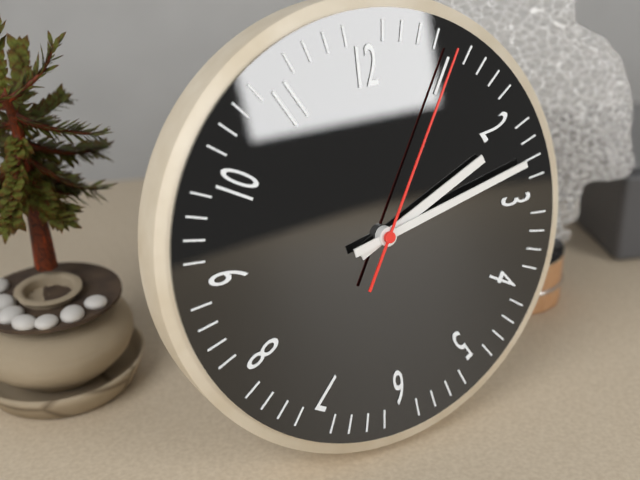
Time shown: {"hour": 2, "minute": 13, "second": 5}
